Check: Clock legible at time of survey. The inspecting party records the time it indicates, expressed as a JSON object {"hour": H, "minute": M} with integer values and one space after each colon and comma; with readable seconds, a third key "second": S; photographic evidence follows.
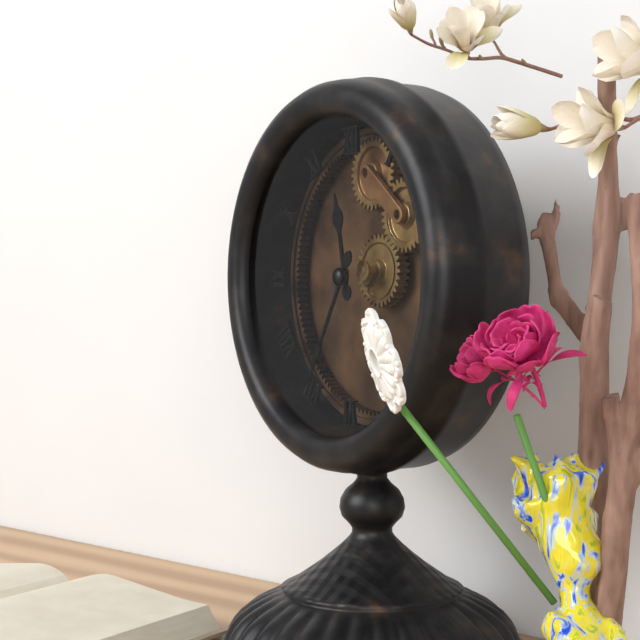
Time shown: {"hour": 11, "minute": 35}
